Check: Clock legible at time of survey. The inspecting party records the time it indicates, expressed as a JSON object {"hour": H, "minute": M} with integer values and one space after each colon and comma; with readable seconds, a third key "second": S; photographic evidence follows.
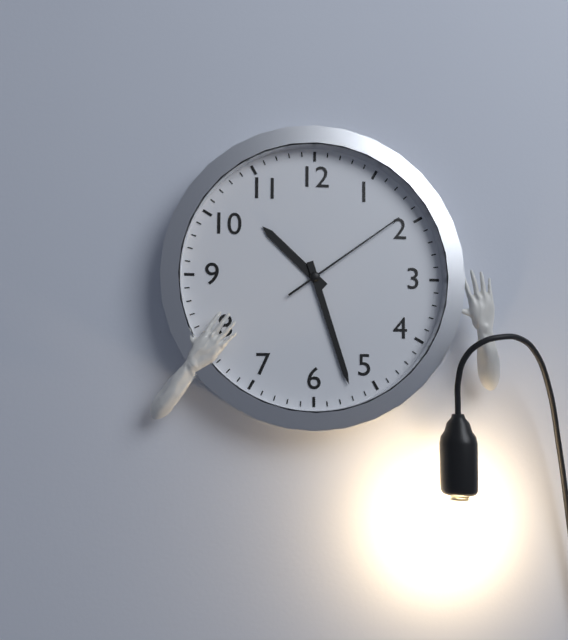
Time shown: {"hour": 10, "minute": 27, "second": 9}
